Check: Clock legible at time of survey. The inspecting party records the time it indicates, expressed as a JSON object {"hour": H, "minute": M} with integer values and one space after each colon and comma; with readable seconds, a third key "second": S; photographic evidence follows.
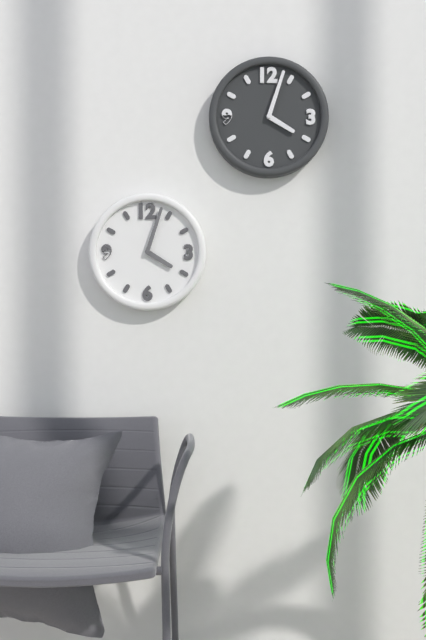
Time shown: {"hour": 4, "minute": 3}
